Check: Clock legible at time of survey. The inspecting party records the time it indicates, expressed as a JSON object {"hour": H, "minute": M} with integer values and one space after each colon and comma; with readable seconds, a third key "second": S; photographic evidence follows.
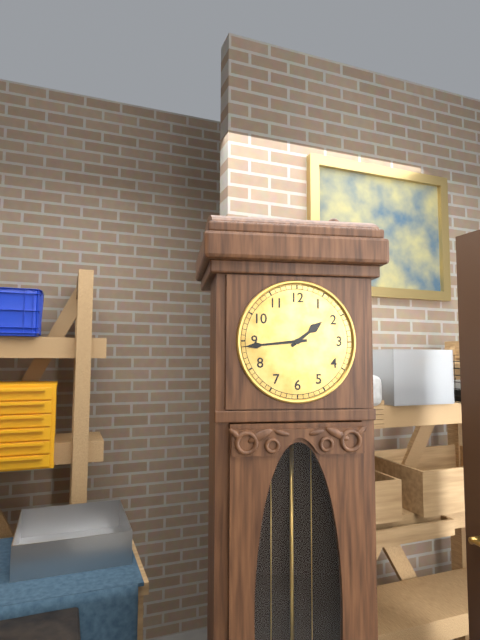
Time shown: {"hour": 1, "minute": 44}
